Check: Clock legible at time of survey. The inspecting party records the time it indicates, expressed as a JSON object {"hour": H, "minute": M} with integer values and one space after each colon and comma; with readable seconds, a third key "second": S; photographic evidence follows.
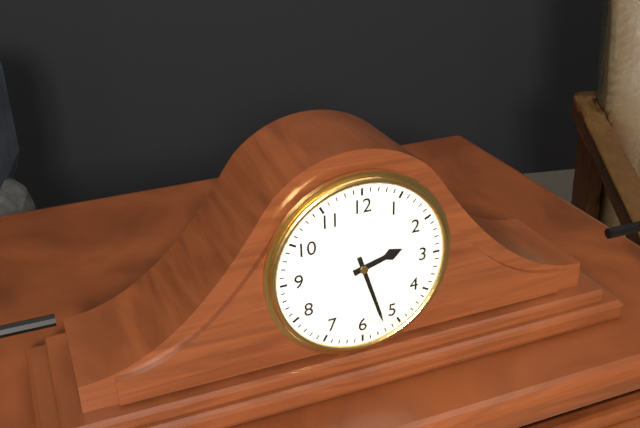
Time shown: {"hour": 2, "minute": 27}
